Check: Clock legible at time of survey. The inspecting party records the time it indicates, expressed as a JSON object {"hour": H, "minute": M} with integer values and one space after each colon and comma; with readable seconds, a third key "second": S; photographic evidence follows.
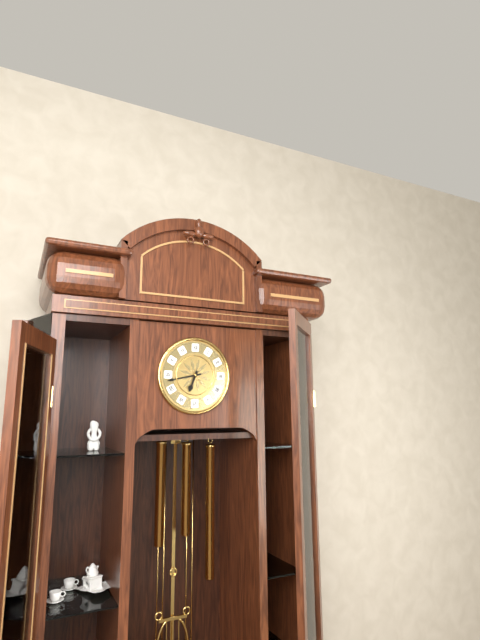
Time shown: {"hour": 6, "minute": 43}
